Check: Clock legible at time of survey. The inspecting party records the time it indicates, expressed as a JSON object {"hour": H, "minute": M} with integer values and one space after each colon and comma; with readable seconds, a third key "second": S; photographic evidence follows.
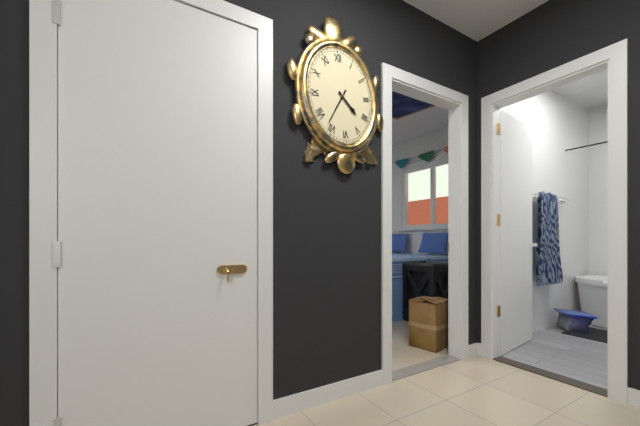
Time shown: {"hour": 4, "minute": 36}
